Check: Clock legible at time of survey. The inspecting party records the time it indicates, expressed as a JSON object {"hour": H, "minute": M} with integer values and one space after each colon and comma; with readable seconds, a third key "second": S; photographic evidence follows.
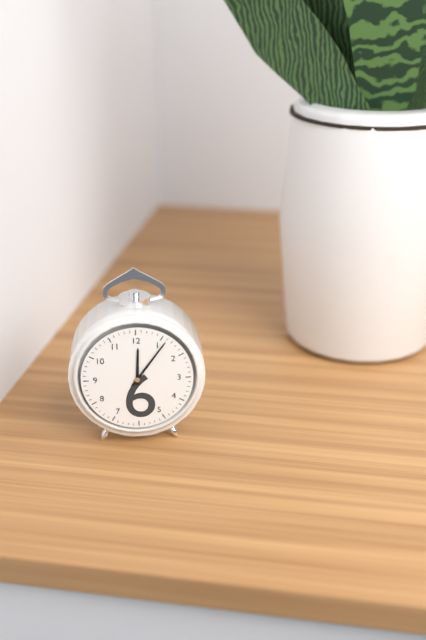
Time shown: {"hour": 12, "minute": 6}
